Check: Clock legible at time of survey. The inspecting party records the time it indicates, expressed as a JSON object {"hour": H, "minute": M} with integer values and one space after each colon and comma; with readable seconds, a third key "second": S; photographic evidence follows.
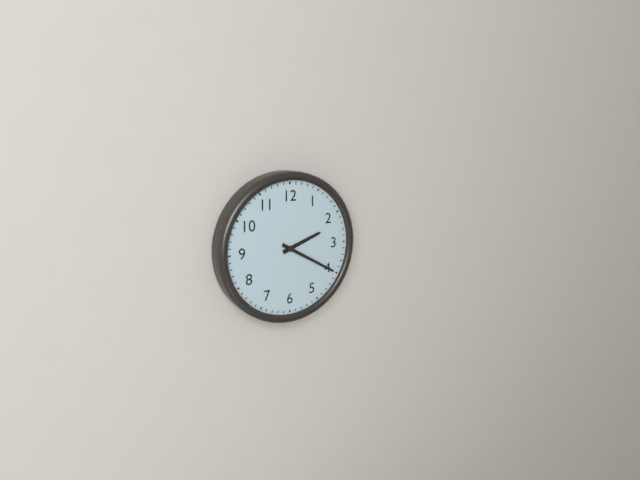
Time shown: {"hour": 2, "minute": 20}
